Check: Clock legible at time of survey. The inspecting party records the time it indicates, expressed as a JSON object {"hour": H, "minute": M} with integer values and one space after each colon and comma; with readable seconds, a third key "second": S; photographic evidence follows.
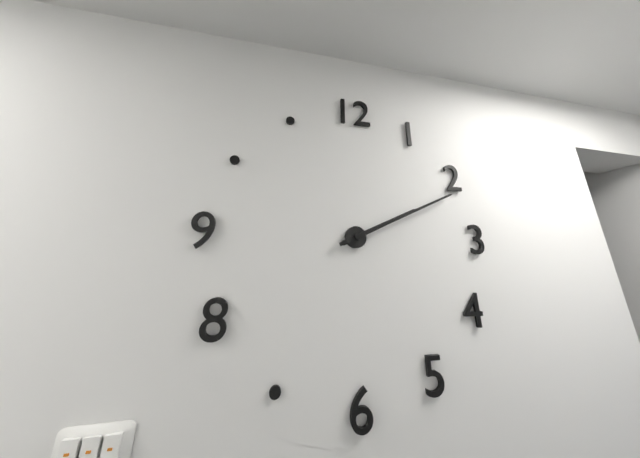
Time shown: {"hour": 2, "minute": 11}
